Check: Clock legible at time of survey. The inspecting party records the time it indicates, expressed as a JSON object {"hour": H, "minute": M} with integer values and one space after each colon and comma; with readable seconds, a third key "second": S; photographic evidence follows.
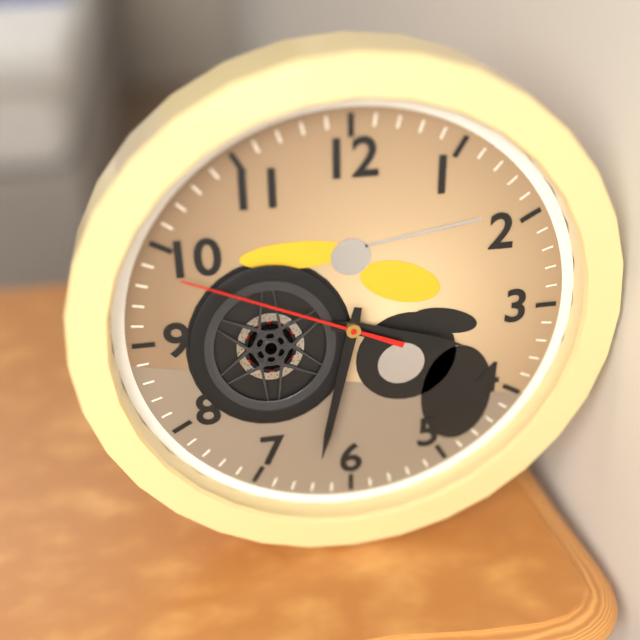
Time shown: {"hour": 3, "minute": 32, "second": 49}
